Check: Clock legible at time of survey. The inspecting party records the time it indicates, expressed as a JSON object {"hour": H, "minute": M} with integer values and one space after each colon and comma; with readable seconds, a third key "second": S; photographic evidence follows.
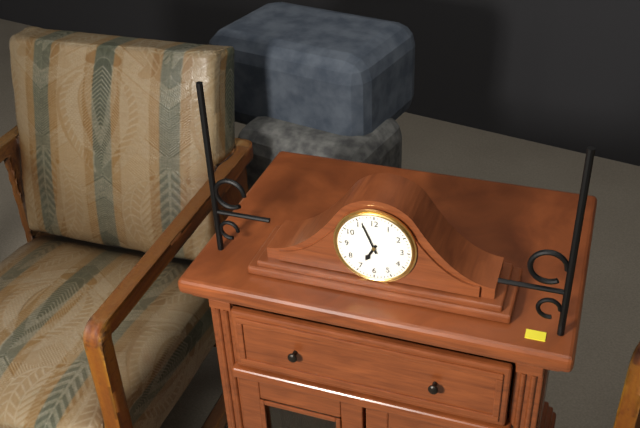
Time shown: {"hour": 6, "minute": 56}
